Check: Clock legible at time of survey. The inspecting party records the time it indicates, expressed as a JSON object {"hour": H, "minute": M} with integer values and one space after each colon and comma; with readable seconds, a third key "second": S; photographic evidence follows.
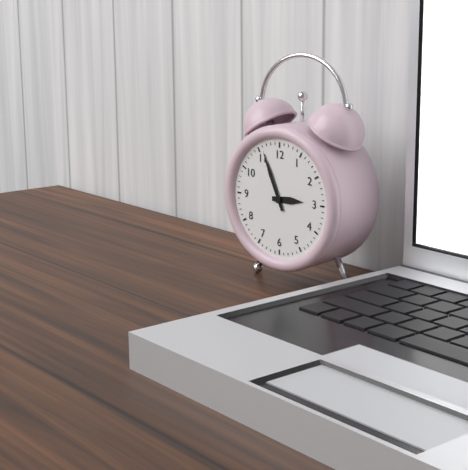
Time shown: {"hour": 2, "minute": 56}
